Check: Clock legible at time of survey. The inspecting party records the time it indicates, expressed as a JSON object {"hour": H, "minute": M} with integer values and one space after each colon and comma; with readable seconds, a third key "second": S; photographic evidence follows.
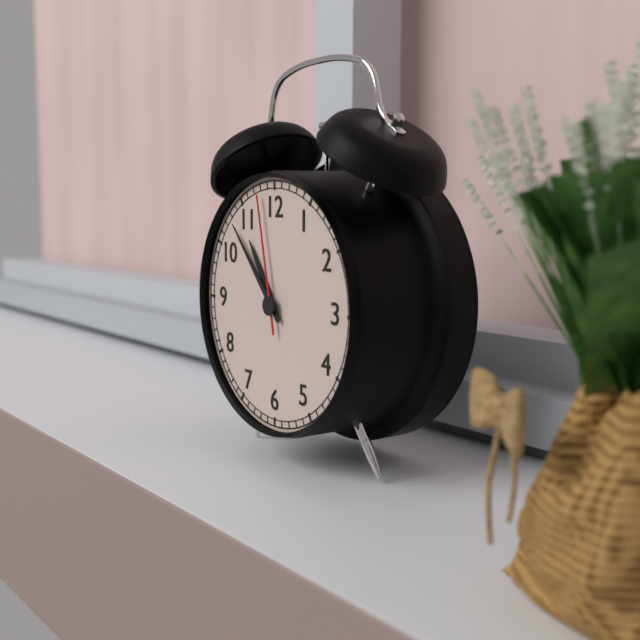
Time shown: {"hour": 10, "minute": 53, "second": 58}
